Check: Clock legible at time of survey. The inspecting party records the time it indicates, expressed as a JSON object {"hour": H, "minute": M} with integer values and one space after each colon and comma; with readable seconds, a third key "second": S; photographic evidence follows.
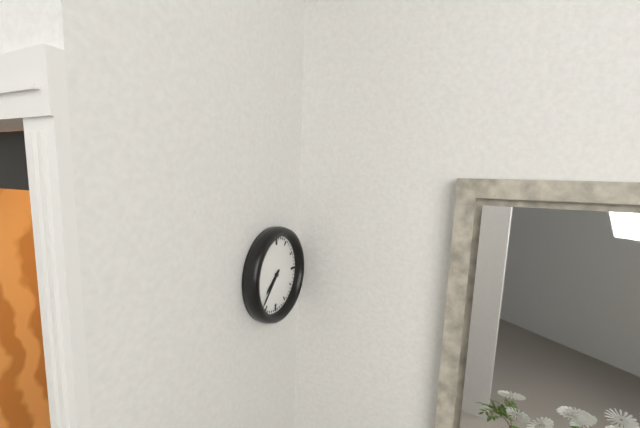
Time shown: {"hour": 7, "minute": 37}
